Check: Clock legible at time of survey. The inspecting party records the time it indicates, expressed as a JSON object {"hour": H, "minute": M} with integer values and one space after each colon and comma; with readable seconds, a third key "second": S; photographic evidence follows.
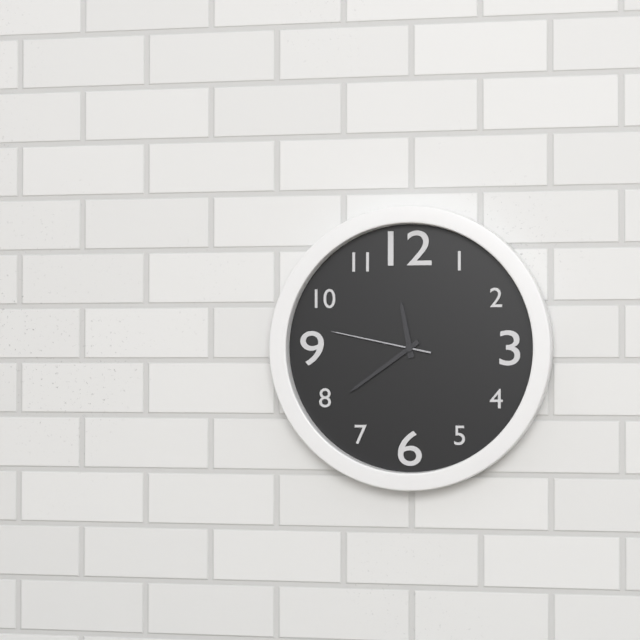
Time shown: {"hour": 11, "minute": 39, "second": 47}
